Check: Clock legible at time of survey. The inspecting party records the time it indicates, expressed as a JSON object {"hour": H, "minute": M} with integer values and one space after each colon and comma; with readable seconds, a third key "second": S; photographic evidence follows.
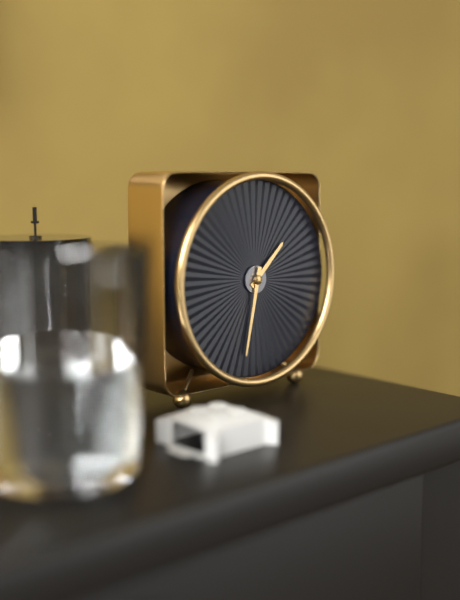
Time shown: {"hour": 1, "minute": 32}
